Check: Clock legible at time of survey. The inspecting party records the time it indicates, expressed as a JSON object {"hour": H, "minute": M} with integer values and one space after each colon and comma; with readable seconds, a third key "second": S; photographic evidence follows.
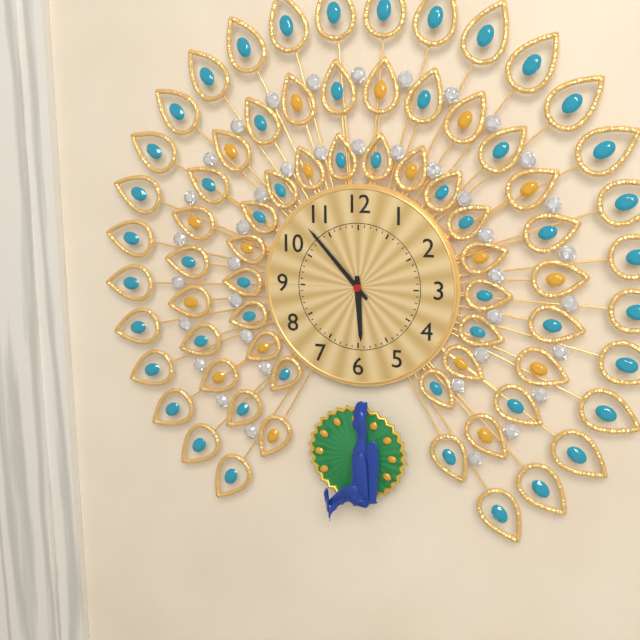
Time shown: {"hour": 5, "minute": 53}
